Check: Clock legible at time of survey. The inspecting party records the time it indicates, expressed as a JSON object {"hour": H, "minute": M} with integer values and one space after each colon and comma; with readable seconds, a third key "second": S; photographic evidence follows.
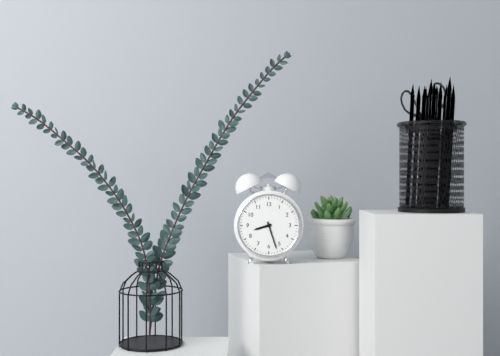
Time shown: {"hour": 8, "minute": 27}
